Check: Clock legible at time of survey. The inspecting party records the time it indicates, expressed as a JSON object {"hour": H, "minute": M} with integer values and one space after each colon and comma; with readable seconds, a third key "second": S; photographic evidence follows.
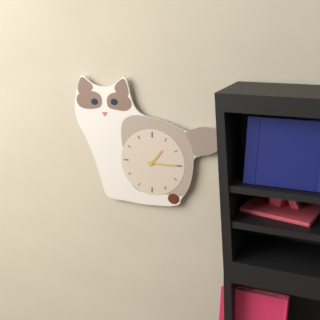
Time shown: {"hour": 1, "minute": 15}
